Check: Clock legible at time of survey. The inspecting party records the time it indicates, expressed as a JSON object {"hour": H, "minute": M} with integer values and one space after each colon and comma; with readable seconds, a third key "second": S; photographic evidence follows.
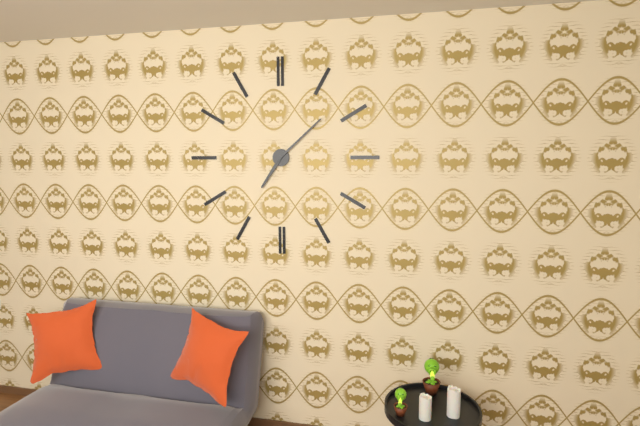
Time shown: {"hour": 7, "minute": 8}
